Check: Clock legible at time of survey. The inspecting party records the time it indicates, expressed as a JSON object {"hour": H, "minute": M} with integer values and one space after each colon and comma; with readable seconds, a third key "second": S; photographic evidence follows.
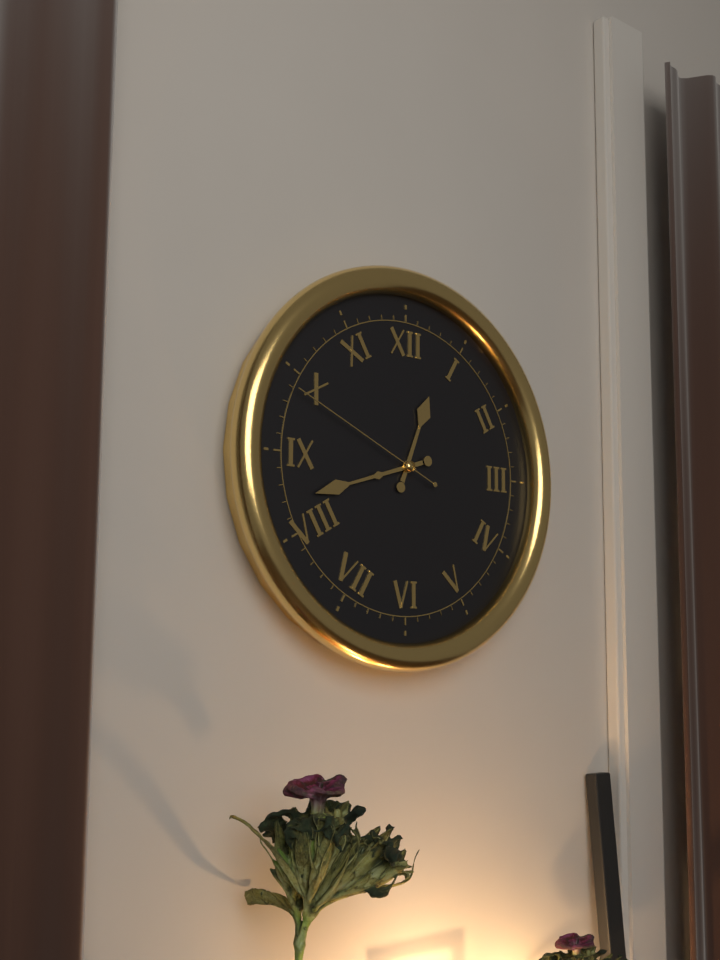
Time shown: {"hour": 12, "minute": 42, "second": 49}
